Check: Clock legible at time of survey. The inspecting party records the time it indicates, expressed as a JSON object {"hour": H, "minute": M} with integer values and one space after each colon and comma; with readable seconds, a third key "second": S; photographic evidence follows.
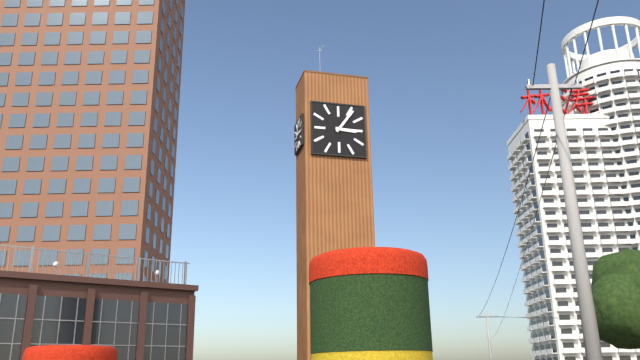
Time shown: {"hour": 3, "minute": 6}
